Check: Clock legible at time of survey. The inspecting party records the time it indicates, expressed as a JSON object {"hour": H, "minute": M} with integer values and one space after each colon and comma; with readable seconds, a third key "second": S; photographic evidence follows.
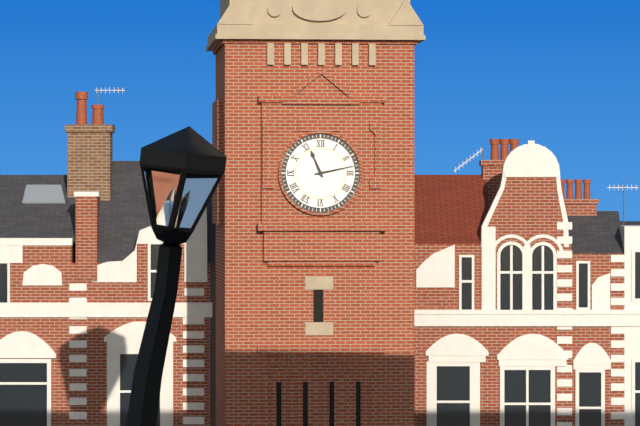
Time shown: {"hour": 11, "minute": 13}
